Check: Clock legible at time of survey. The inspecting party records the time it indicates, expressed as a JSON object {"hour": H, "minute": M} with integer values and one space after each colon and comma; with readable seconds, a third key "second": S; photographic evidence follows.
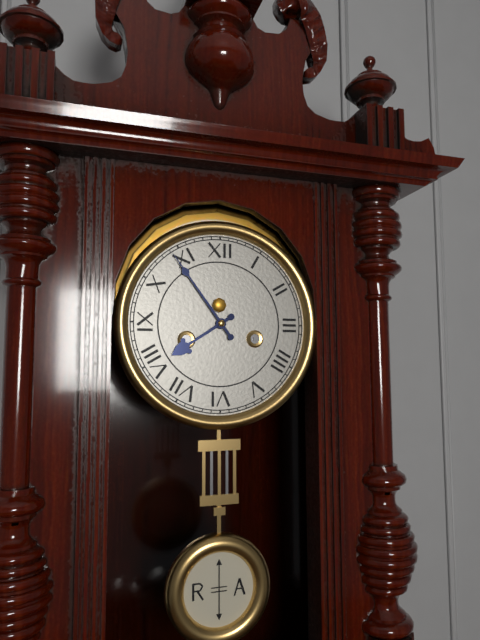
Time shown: {"hour": 7, "minute": 54}
